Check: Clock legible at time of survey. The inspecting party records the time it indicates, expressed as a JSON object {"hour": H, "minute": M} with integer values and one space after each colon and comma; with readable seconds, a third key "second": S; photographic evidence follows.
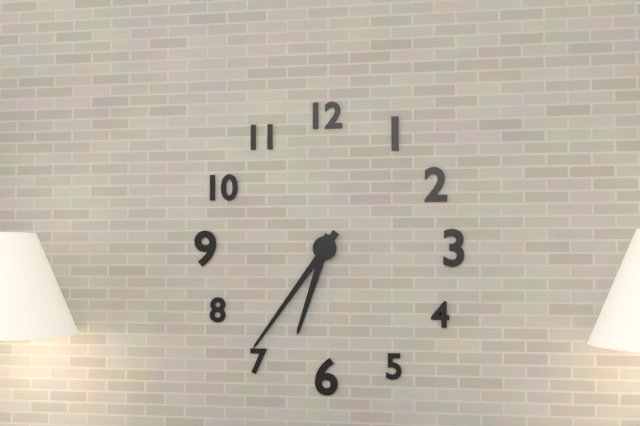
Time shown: {"hour": 6, "minute": 36}
